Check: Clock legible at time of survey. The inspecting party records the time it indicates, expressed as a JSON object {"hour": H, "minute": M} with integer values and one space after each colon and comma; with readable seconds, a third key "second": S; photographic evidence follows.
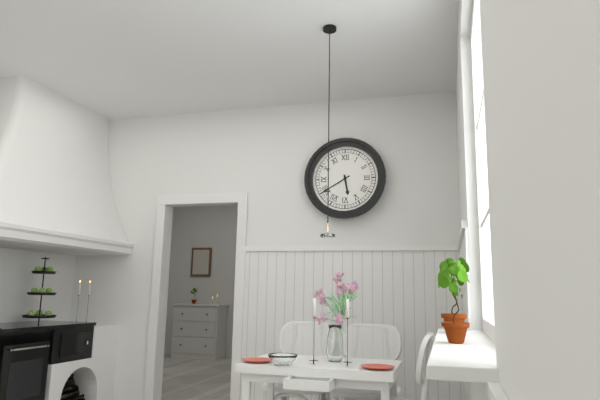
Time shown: {"hour": 5, "minute": 40}
